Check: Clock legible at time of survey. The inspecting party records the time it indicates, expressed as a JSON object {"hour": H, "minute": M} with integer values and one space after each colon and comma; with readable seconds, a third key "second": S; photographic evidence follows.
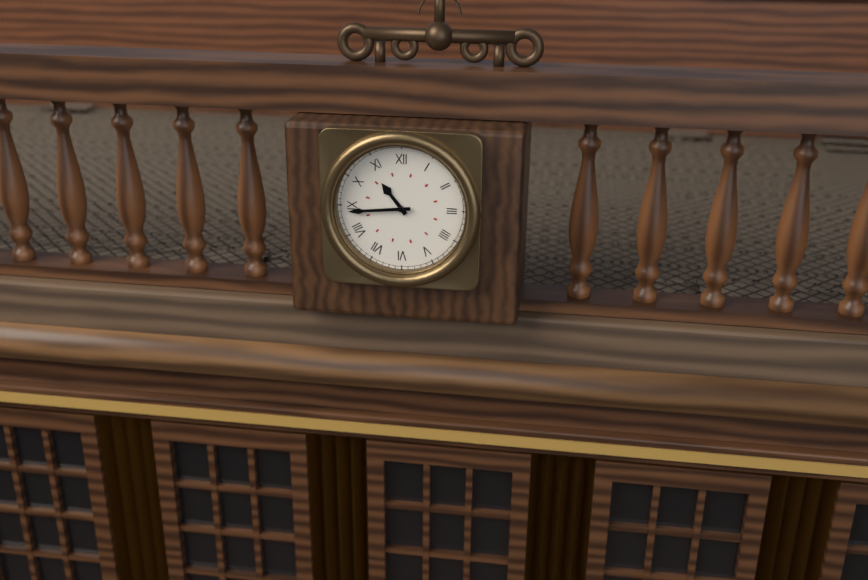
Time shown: {"hour": 10, "minute": 44}
